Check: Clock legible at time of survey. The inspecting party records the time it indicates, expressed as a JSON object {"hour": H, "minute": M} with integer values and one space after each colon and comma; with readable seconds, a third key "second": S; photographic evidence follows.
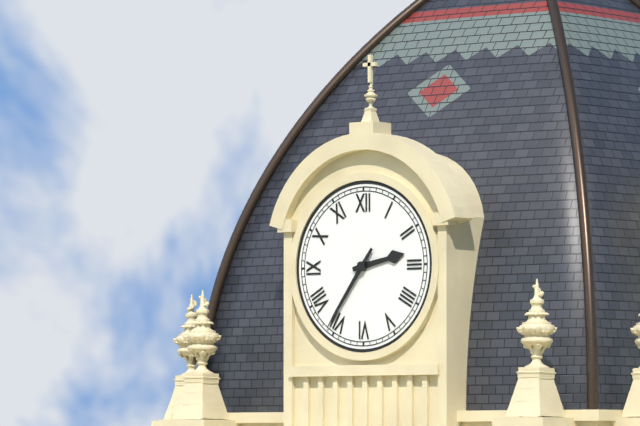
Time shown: {"hour": 2, "minute": 36}
